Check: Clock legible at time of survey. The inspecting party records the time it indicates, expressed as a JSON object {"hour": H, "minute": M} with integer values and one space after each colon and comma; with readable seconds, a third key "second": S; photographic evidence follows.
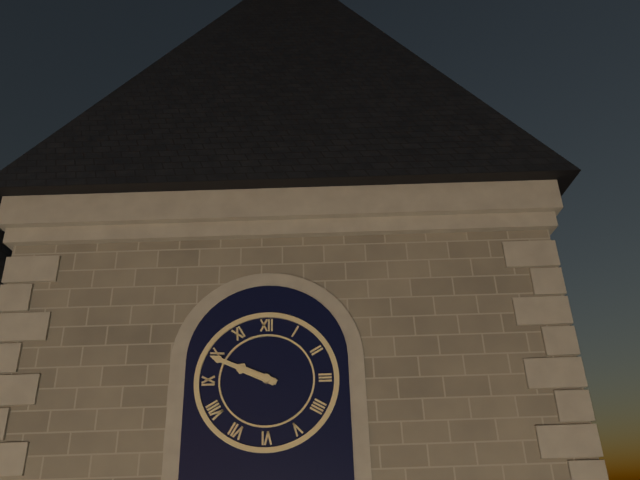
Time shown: {"hour": 9, "minute": 49}
